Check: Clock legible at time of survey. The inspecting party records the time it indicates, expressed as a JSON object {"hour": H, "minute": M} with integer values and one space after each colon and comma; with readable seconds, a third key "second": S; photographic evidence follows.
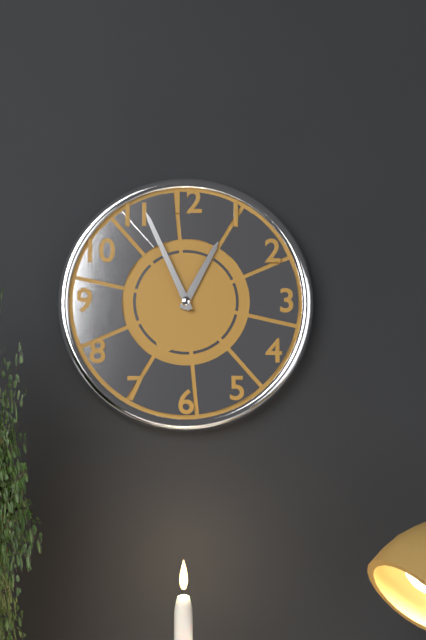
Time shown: {"hour": 12, "minute": 56}
